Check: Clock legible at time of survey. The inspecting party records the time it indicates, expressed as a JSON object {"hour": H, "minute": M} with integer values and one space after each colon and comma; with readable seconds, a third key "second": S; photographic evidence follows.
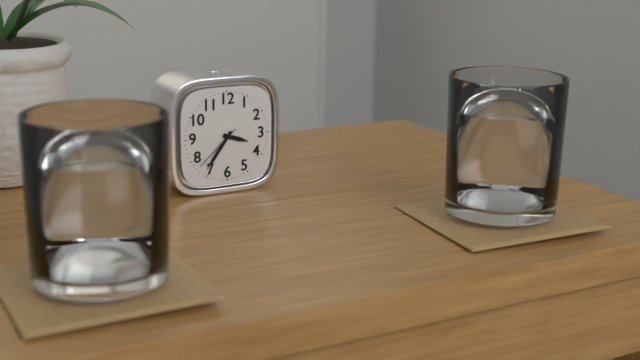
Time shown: {"hour": 3, "minute": 36, "second": 38}
